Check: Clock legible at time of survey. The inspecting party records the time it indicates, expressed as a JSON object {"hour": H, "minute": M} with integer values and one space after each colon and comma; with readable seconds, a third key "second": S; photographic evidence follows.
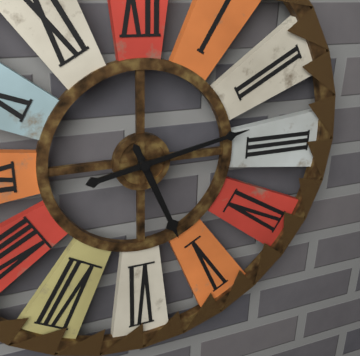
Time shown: {"hour": 5, "minute": 13}
